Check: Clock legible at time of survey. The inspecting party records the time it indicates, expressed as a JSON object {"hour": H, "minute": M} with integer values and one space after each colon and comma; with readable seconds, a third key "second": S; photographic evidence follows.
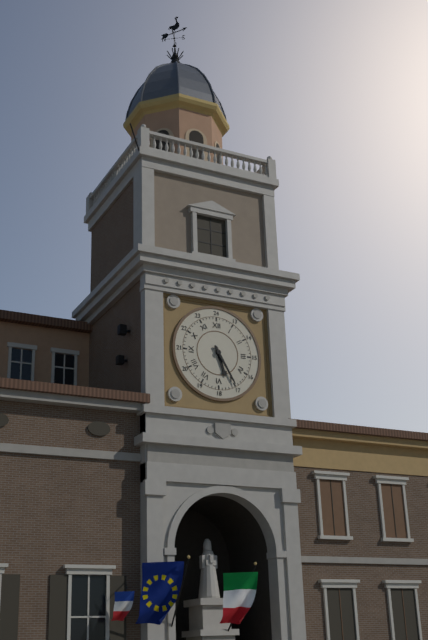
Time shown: {"hour": 5, "minute": 25}
